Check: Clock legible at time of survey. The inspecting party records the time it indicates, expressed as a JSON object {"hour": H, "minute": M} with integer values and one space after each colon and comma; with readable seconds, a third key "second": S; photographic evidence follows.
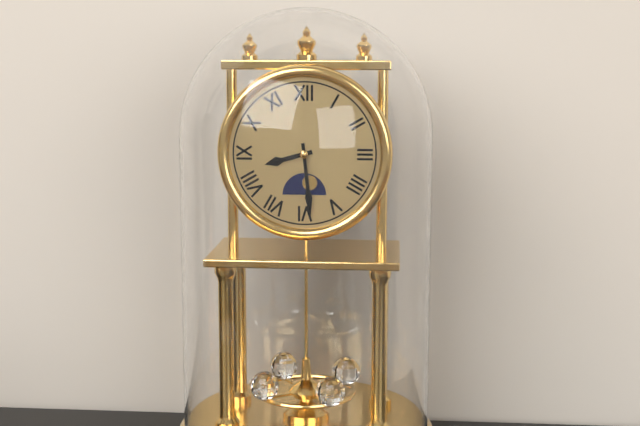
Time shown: {"hour": 8, "minute": 29}
